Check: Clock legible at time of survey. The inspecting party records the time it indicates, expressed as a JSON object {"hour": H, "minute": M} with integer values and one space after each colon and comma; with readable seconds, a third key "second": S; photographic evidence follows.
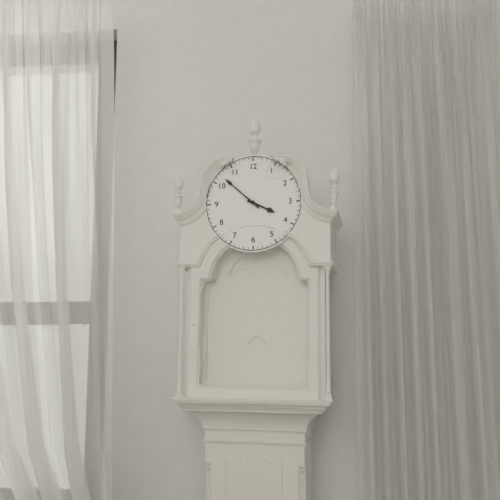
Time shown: {"hour": 3, "minute": 52}
